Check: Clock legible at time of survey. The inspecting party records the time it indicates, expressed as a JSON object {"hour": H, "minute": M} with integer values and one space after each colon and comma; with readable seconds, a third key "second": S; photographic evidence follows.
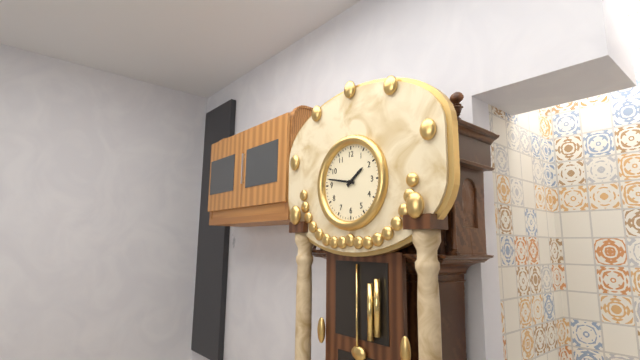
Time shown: {"hour": 1, "minute": 47}
